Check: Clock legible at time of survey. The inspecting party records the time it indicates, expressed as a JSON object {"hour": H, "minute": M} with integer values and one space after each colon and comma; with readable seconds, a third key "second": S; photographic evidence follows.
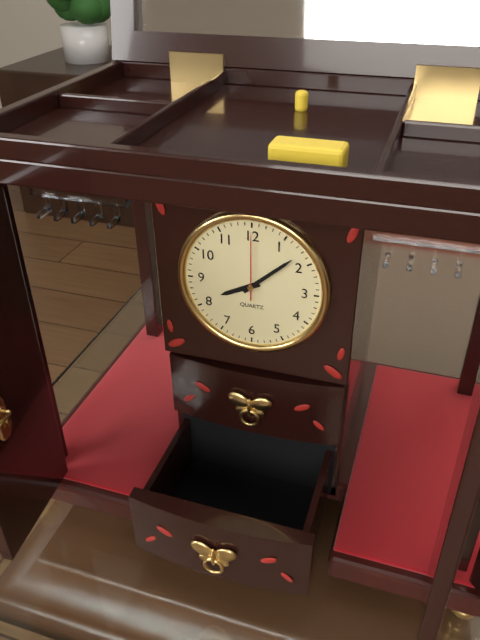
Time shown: {"hour": 8, "minute": 8, "second": 0}
